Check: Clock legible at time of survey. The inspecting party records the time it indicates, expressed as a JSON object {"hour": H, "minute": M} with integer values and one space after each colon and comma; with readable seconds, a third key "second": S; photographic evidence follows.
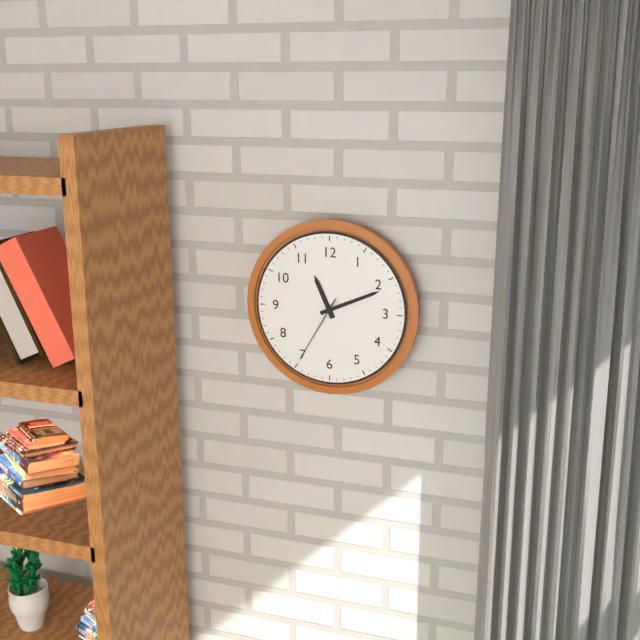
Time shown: {"hour": 11, "minute": 11, "second": 35}
